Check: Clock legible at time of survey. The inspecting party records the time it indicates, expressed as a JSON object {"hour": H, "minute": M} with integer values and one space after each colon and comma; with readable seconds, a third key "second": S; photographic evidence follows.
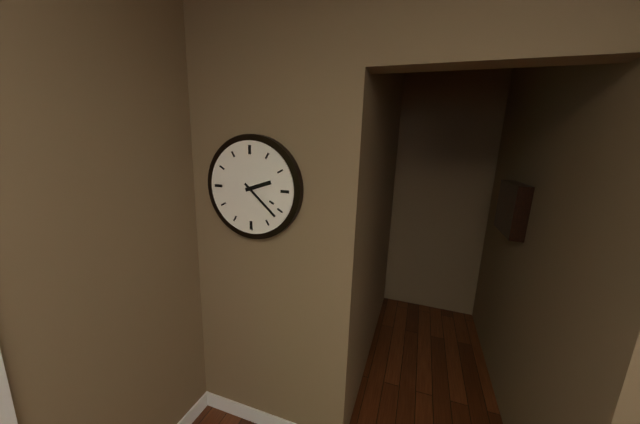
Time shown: {"hour": 2, "minute": 22}
